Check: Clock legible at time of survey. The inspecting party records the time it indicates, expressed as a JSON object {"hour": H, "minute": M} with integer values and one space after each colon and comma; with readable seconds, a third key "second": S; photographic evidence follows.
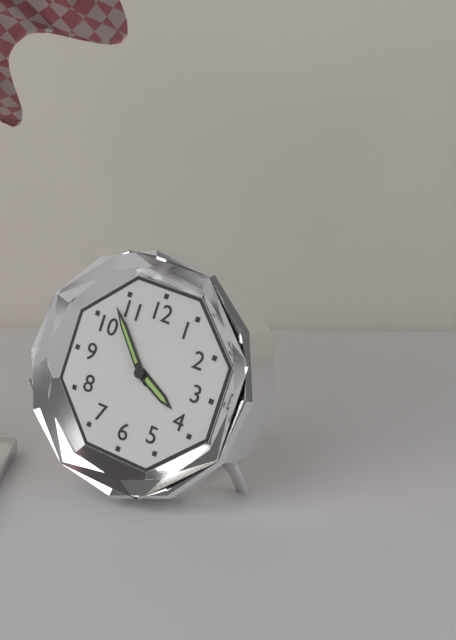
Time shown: {"hour": 3, "minute": 53}
